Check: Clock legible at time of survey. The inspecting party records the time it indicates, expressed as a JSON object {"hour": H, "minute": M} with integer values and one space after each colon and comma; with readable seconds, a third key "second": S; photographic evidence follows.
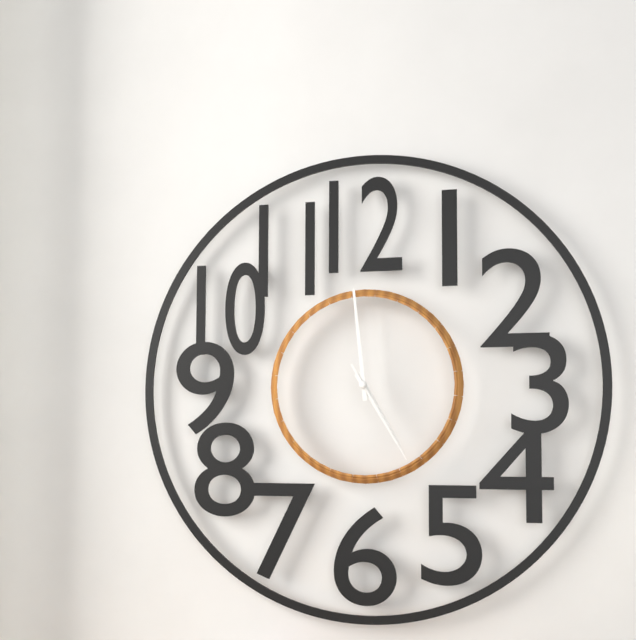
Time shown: {"hour": 4, "minute": 59, "second": 25}
